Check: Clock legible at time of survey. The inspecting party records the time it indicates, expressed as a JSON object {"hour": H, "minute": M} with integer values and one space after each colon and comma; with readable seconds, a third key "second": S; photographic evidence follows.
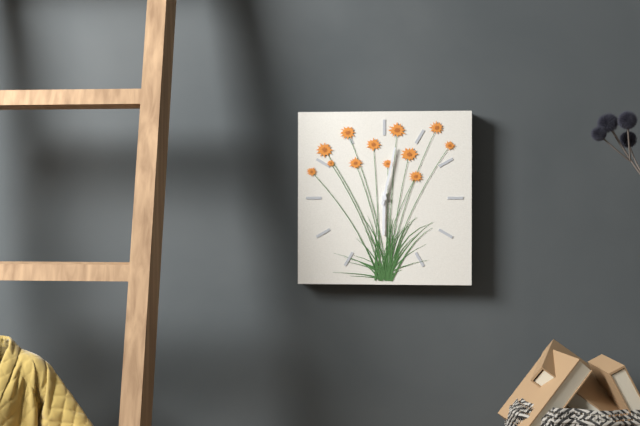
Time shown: {"hour": 6, "minute": 2}
